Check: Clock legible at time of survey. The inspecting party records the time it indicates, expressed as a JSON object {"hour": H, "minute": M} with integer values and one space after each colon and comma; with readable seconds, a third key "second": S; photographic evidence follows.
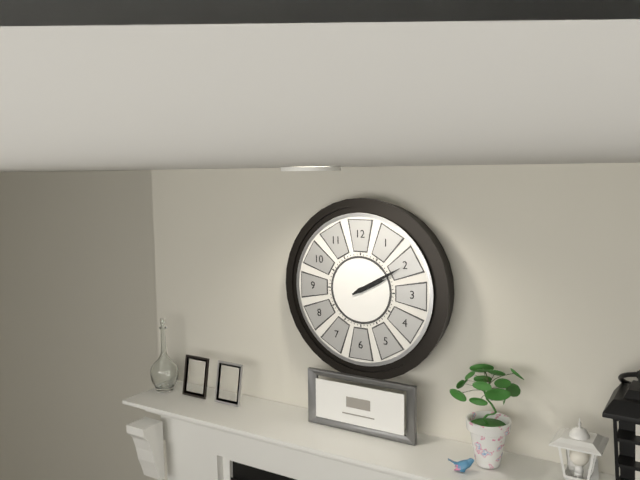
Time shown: {"hour": 2, "minute": 10}
